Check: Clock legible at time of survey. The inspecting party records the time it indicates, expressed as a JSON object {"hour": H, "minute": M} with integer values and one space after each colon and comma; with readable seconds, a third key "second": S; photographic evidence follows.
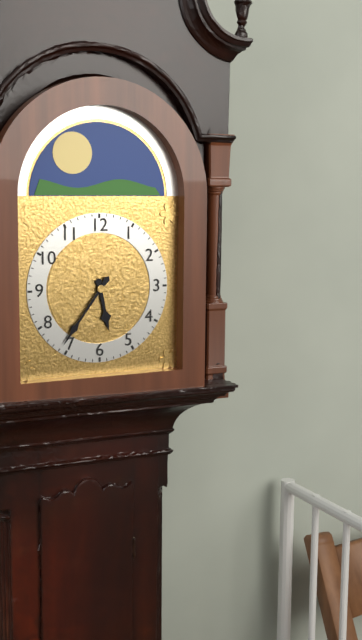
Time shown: {"hour": 5, "minute": 36}
